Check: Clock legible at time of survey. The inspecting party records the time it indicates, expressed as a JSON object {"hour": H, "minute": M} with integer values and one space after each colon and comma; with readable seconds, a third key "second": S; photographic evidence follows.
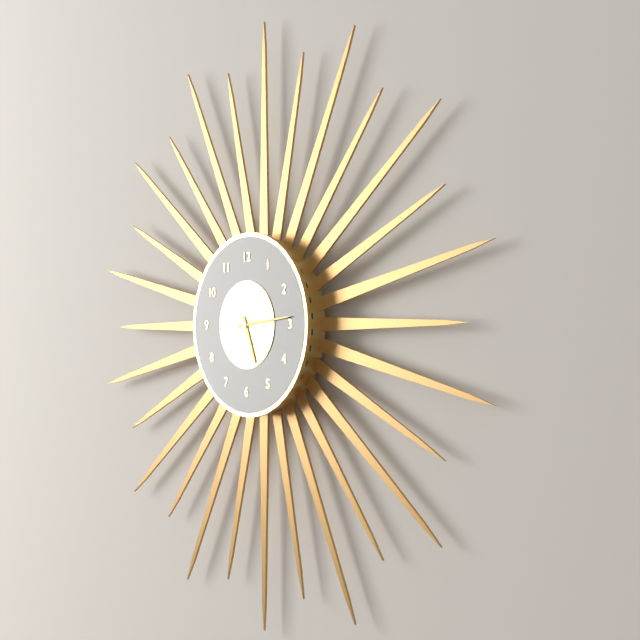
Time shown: {"hour": 5, "minute": 14}
